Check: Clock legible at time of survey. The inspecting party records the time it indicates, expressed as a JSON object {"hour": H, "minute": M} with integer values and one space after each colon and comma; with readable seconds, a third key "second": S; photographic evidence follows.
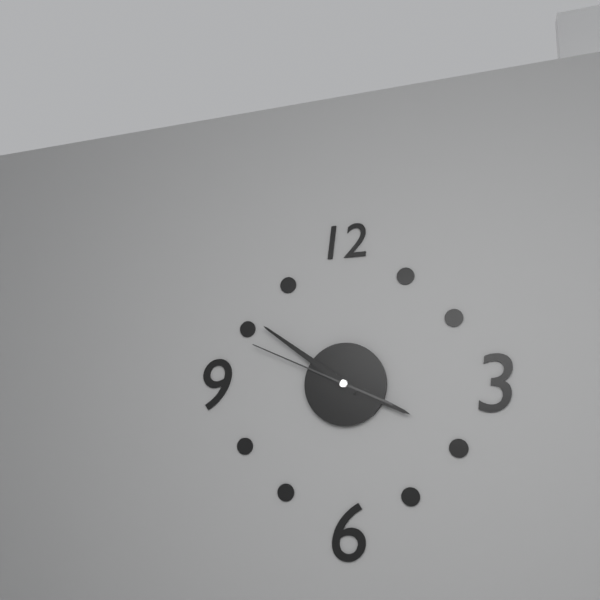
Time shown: {"hour": 3, "minute": 51, "second": 49}
